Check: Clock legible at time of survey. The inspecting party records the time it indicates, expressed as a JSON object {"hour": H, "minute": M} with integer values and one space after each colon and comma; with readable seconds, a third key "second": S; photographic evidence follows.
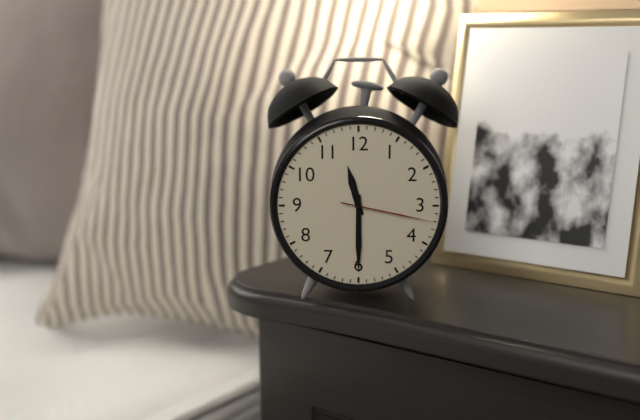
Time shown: {"hour": 11, "minute": 30, "second": 17}
